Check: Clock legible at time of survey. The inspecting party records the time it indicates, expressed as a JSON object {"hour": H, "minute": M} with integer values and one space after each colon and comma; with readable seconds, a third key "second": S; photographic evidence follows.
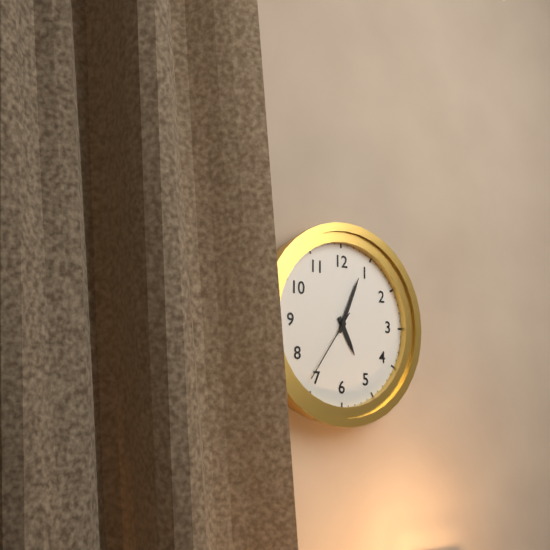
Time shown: {"hour": 5, "minute": 4, "second": 36}
